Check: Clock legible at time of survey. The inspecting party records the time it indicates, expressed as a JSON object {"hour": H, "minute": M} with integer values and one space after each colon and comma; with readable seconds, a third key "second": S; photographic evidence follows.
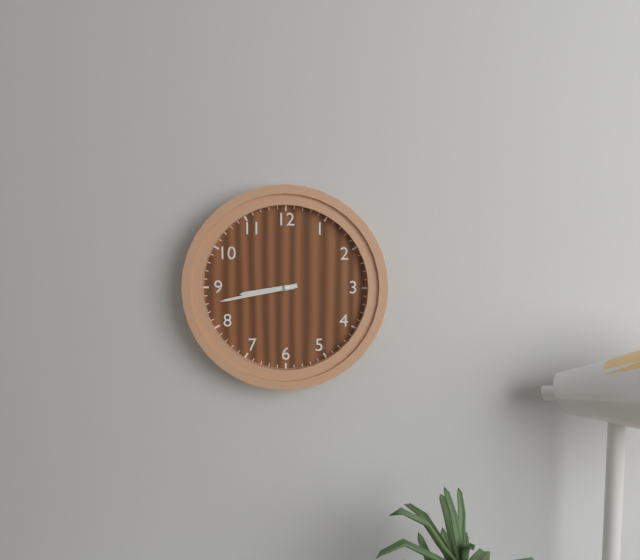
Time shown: {"hour": 8, "minute": 43}
